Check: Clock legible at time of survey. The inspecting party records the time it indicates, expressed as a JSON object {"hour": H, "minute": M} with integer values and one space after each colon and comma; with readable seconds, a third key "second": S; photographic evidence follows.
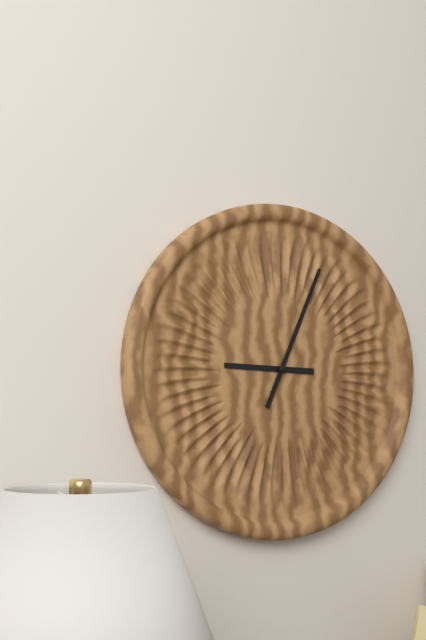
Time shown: {"hour": 9, "minute": 4}
